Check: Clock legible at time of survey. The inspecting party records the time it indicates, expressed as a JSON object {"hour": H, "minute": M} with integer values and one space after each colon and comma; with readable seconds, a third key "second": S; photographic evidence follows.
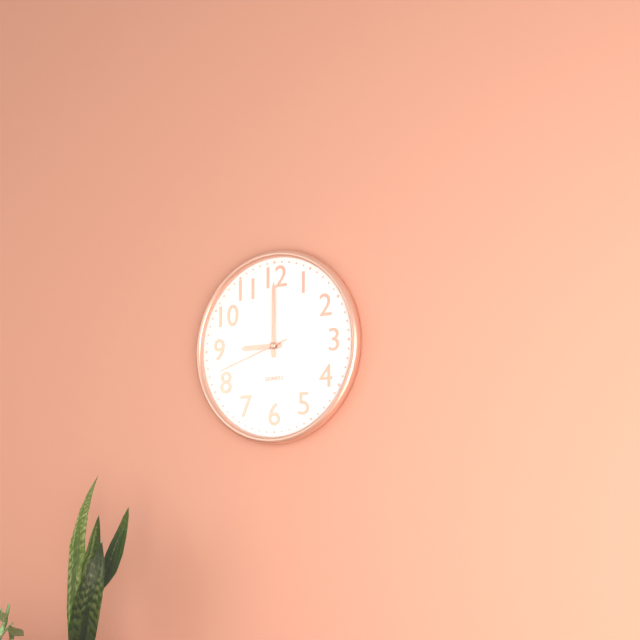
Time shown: {"hour": 9, "minute": 0, "second": 42}
